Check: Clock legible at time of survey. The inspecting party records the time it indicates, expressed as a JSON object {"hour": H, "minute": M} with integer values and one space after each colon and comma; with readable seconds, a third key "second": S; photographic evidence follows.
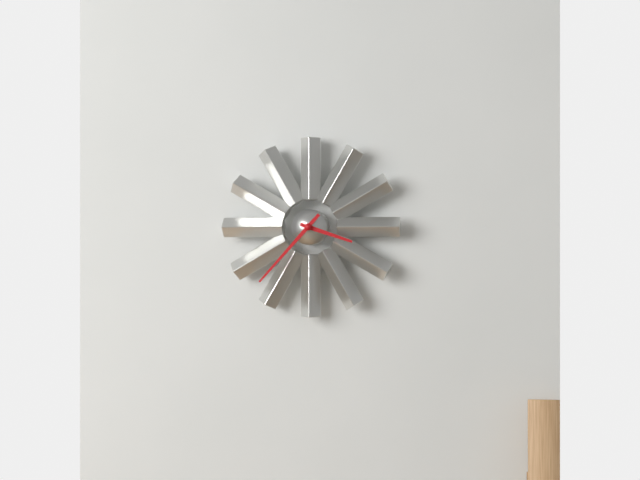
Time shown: {"hour": 3, "minute": 37}
